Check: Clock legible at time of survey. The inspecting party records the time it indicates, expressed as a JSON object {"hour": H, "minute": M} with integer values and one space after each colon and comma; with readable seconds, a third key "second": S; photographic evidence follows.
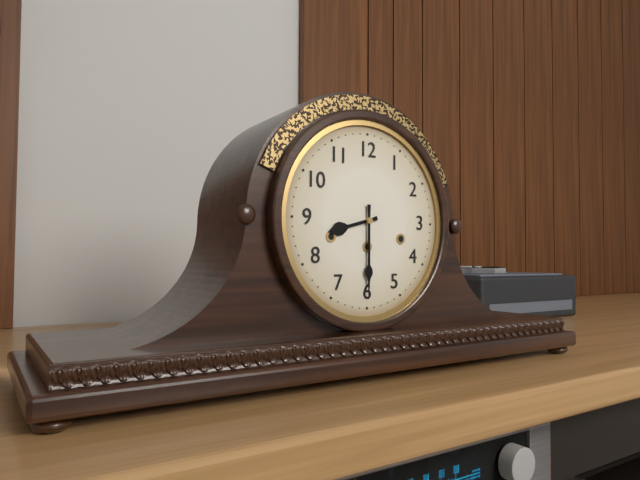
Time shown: {"hour": 8, "minute": 30}
